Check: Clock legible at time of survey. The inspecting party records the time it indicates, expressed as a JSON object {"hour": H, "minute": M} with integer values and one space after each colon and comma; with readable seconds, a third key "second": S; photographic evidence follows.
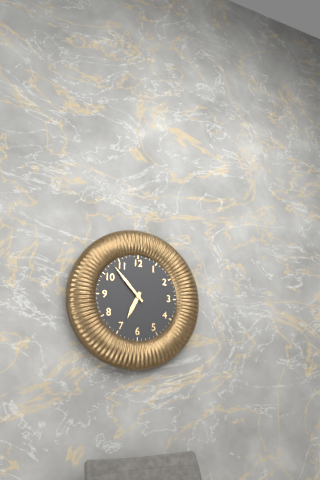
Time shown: {"hour": 6, "minute": 53}
